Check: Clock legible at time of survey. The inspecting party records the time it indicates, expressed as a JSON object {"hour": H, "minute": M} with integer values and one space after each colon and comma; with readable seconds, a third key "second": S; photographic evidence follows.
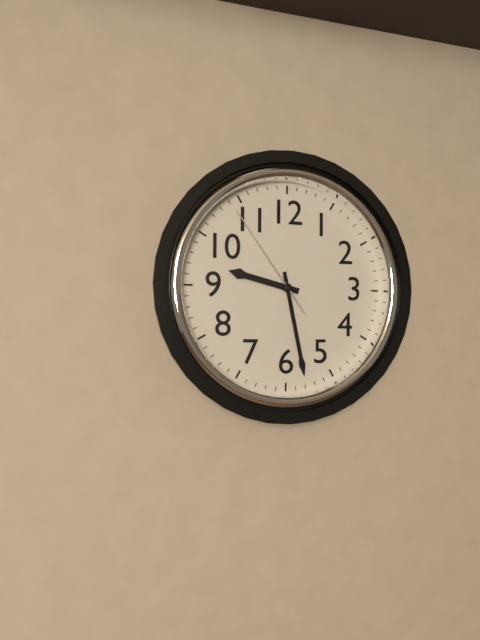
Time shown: {"hour": 9, "minute": 28, "second": 54}
